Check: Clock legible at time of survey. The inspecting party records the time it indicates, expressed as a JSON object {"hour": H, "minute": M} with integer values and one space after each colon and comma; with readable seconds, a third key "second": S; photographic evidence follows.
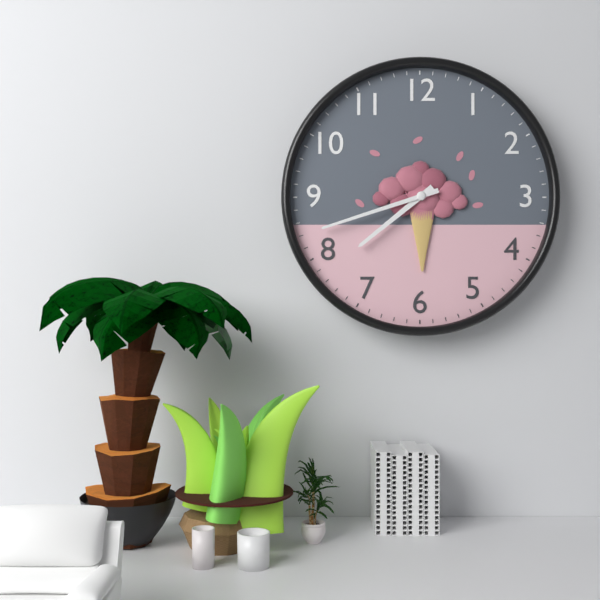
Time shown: {"hour": 7, "minute": 42}
